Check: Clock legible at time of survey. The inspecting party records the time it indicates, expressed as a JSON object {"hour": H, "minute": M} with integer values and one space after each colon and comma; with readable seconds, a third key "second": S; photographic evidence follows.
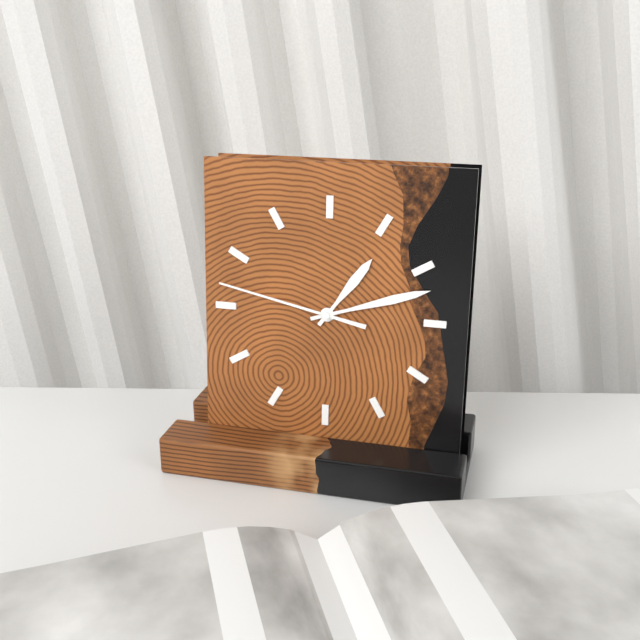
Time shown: {"hour": 1, "minute": 12, "second": 47}
